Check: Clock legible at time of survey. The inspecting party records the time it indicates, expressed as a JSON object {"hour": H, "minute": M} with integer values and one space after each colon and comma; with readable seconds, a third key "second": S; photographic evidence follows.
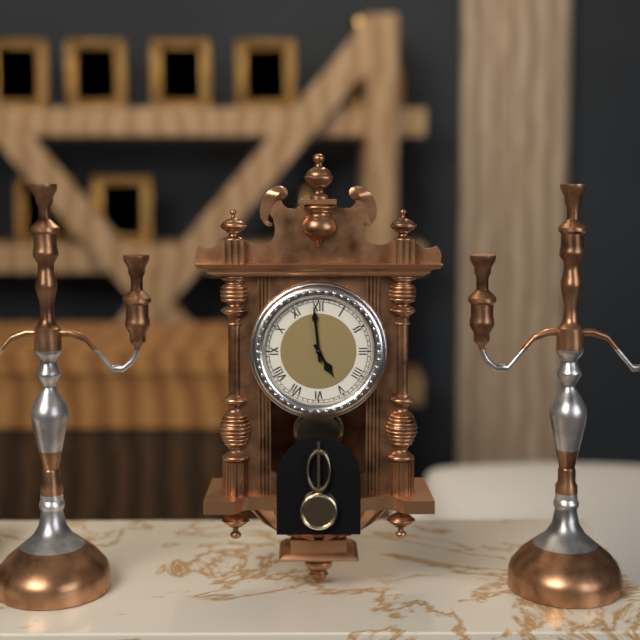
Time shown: {"hour": 4, "minute": 59}
